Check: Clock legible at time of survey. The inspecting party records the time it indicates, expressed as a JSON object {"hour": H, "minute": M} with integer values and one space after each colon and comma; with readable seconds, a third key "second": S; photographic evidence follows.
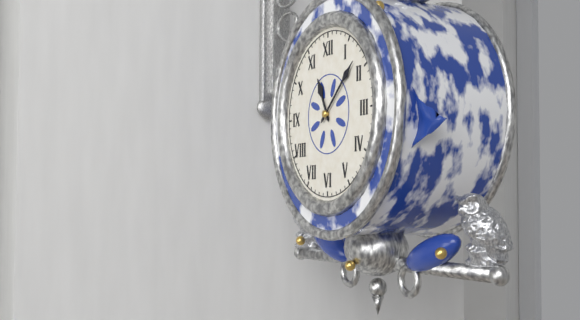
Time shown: {"hour": 11, "minute": 8}
